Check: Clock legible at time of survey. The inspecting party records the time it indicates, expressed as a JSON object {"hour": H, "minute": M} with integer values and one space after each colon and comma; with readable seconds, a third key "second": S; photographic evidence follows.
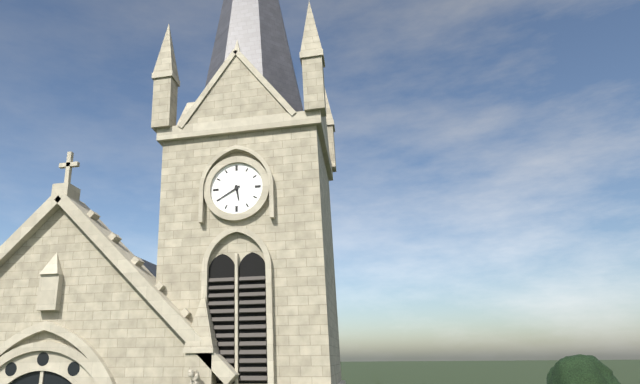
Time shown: {"hour": 5, "minute": 40}
